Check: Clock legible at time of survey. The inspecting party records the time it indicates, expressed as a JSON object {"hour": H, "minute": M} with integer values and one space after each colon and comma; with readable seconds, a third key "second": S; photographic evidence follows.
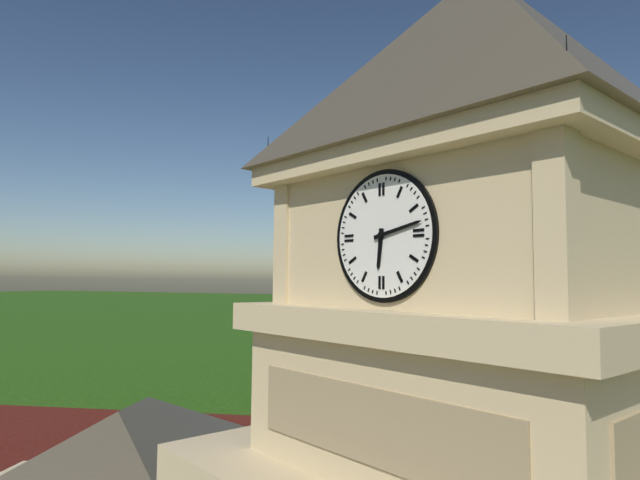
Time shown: {"hour": 6, "minute": 13}
